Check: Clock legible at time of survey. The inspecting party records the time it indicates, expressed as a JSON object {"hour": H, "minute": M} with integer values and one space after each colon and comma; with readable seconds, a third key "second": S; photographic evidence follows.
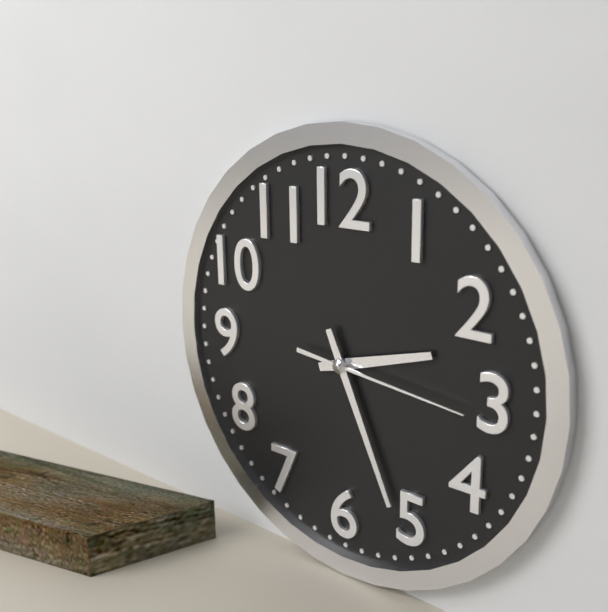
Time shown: {"hour": 2, "minute": 26, "second": 16}
